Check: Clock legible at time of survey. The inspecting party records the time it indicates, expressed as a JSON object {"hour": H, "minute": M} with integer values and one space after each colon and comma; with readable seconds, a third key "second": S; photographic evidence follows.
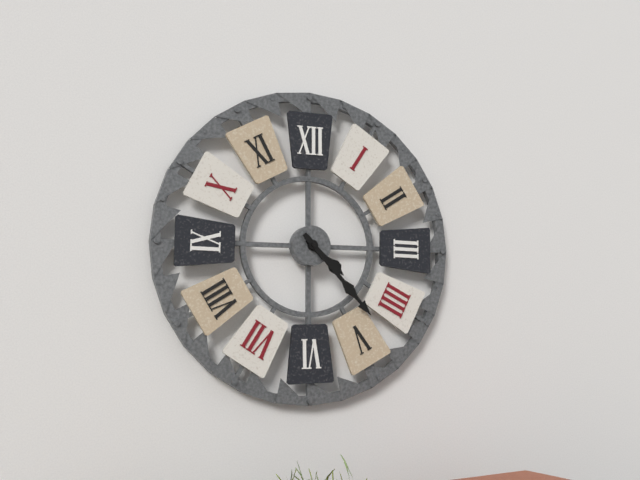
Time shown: {"hour": 4, "minute": 23}
